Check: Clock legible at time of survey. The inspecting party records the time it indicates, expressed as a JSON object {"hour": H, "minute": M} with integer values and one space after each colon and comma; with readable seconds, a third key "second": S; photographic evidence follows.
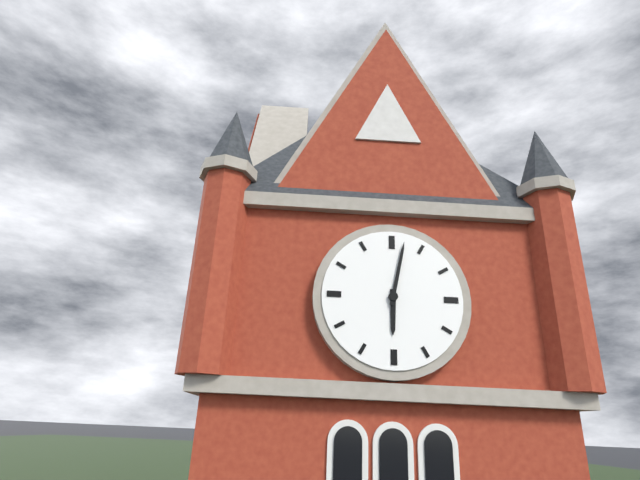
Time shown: {"hour": 6, "minute": 2}
